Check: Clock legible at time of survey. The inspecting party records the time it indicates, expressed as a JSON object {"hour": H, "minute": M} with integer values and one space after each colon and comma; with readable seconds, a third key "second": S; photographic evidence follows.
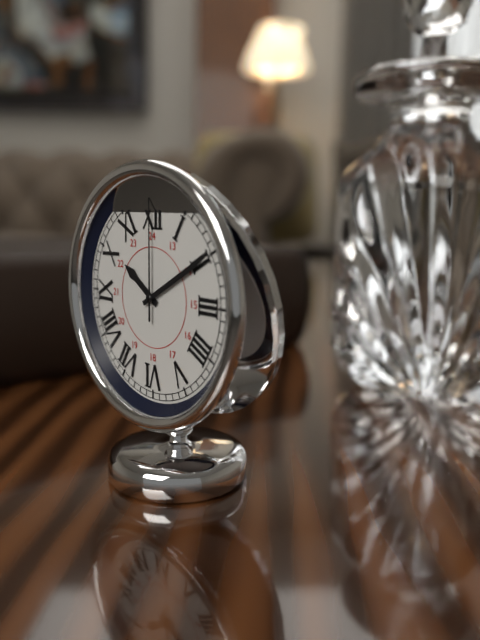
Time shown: {"hour": 10, "minute": 10, "second": 0}
